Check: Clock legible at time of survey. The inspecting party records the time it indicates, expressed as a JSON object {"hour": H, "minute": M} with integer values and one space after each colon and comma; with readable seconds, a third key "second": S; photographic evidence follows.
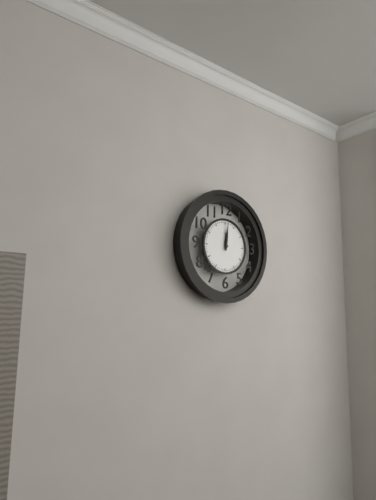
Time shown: {"hour": 12, "minute": 1}
